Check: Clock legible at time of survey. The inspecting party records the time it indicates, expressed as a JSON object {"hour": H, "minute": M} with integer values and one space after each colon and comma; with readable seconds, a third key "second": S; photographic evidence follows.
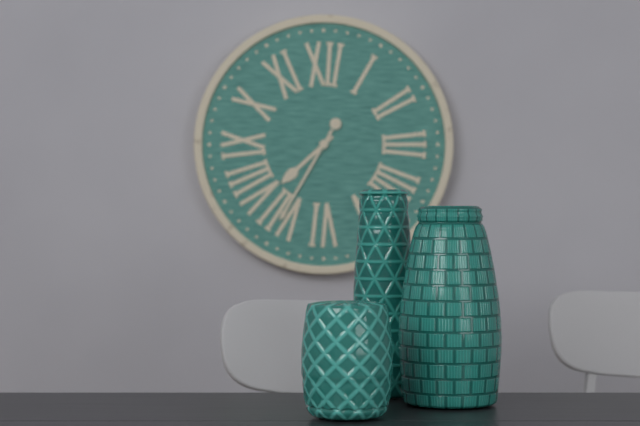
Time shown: {"hour": 7, "minute": 35}
